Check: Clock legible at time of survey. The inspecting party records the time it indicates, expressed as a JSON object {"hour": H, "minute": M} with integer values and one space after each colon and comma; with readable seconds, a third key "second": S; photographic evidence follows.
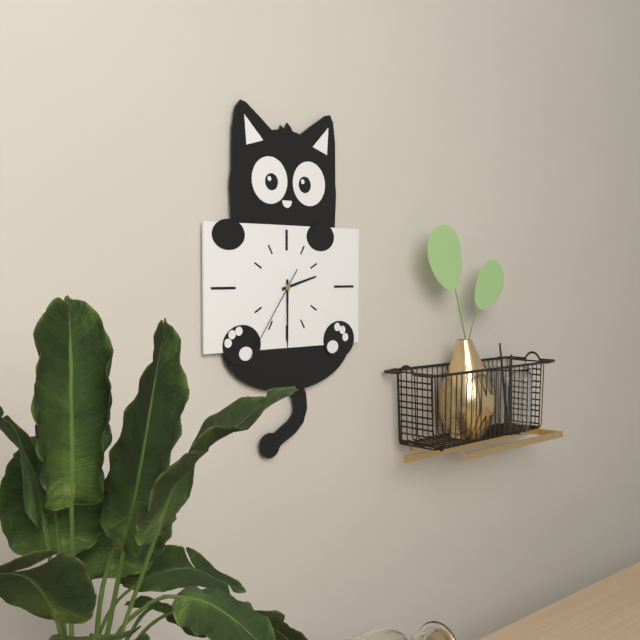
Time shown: {"hour": 2, "minute": 30, "second": 36}
